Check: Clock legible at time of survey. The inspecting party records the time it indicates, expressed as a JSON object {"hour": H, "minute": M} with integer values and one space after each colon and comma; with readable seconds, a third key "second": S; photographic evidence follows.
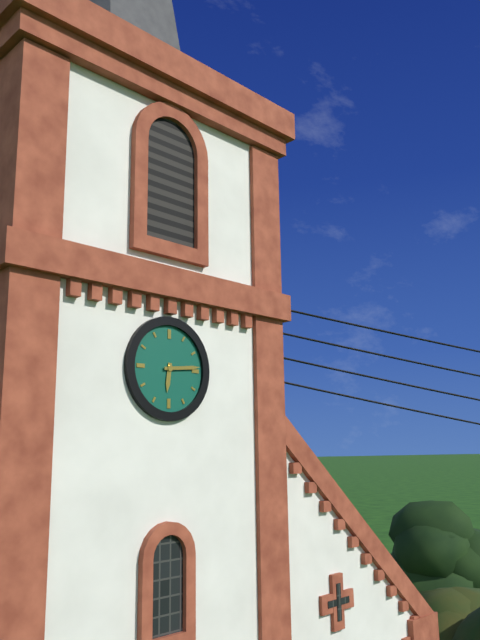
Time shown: {"hour": 6, "minute": 14}
